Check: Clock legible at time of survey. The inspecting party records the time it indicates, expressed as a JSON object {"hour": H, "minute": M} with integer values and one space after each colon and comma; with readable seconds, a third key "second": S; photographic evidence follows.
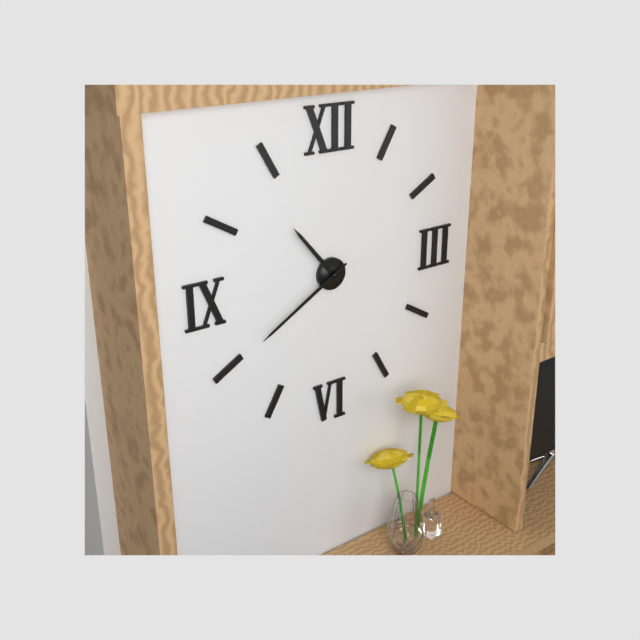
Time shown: {"hour": 10, "minute": 40}
